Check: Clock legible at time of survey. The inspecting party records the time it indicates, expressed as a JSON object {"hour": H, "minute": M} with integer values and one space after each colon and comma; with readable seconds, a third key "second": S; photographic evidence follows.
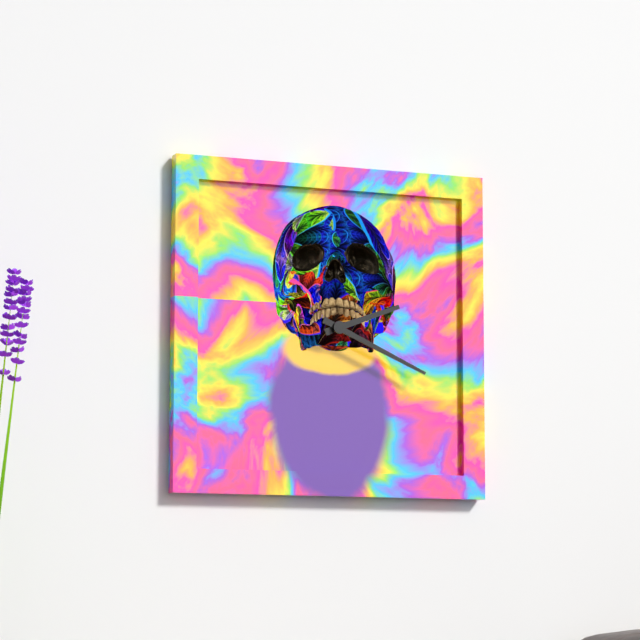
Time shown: {"hour": 2, "minute": 19}
